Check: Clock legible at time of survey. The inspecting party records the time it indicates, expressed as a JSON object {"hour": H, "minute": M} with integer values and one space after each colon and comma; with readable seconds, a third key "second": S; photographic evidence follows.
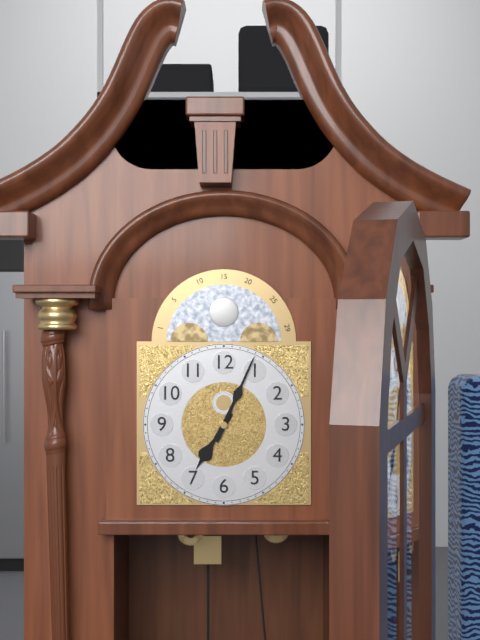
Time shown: {"hour": 7, "minute": 4}
